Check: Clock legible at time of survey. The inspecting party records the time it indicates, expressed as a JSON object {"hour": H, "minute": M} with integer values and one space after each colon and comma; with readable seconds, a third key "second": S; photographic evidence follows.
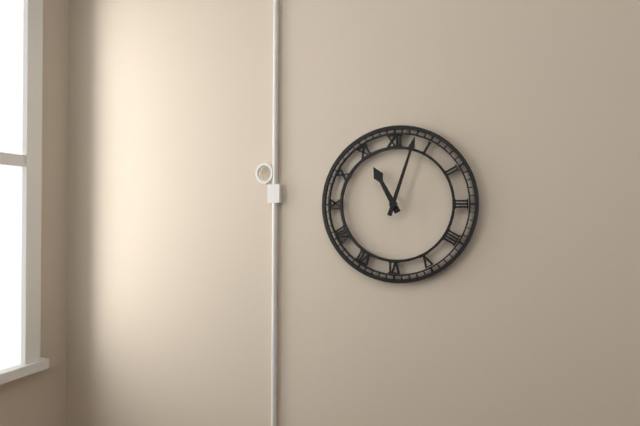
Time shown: {"hour": 11, "minute": 3}
